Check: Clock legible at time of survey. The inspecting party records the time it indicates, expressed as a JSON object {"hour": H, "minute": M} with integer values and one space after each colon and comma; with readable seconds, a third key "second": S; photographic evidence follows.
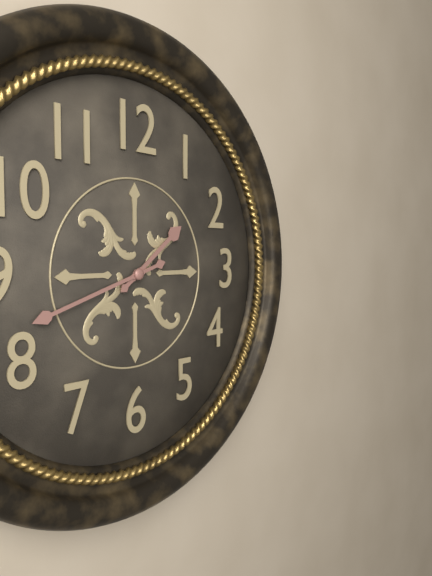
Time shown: {"hour": 1, "minute": 42}
